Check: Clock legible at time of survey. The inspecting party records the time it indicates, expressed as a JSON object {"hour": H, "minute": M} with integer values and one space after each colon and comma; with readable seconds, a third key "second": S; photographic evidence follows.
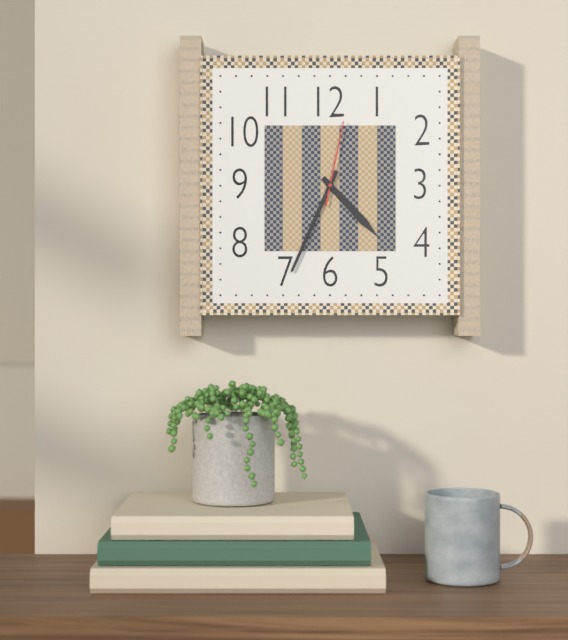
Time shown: {"hour": 4, "minute": 34, "second": 2}
